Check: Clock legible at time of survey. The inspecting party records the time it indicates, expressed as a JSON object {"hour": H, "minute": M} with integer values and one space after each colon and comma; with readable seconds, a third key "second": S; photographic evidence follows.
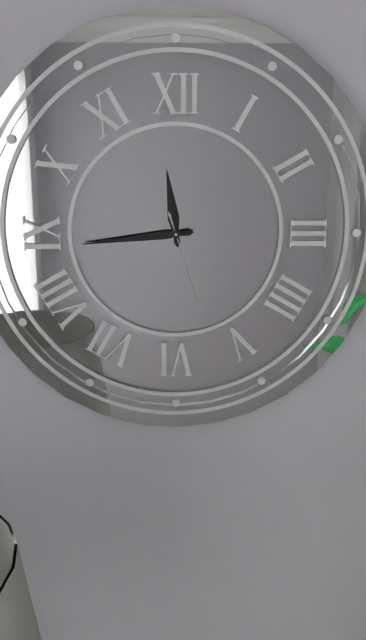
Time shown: {"hour": 11, "minute": 44, "second": 27}
